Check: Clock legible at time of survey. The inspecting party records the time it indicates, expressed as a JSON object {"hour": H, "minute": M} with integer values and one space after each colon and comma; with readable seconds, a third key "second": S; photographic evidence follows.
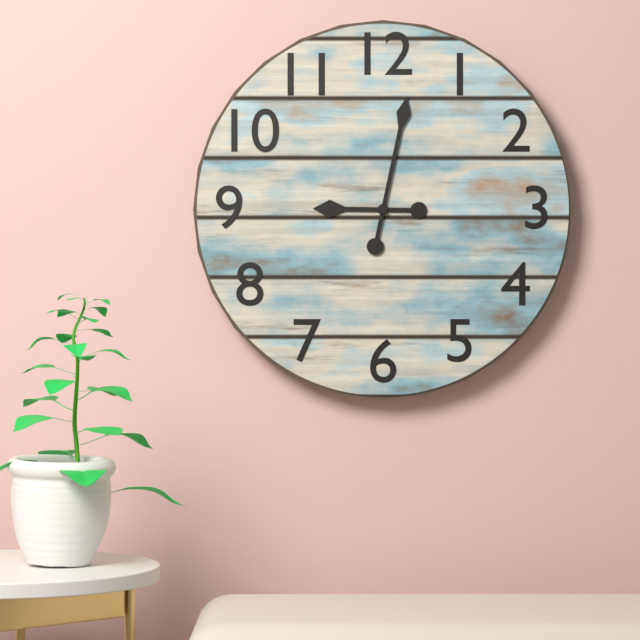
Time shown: {"hour": 9, "minute": 2}
